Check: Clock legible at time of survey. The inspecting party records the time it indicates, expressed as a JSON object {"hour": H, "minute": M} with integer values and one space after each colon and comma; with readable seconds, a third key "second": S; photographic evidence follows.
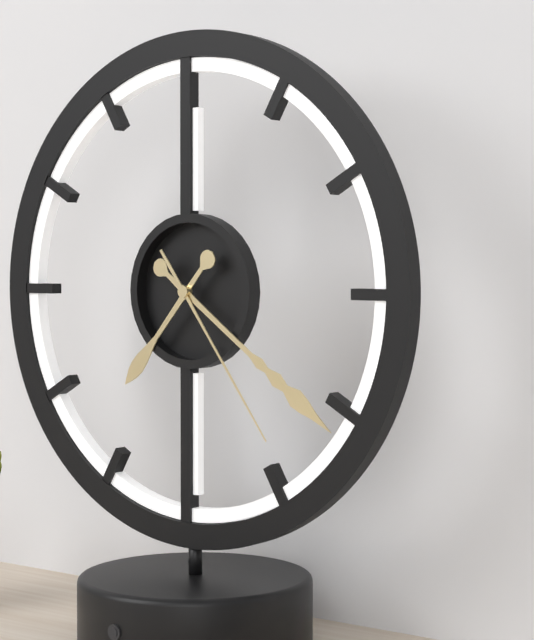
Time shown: {"hour": 7, "minute": 21, "second": 24}
